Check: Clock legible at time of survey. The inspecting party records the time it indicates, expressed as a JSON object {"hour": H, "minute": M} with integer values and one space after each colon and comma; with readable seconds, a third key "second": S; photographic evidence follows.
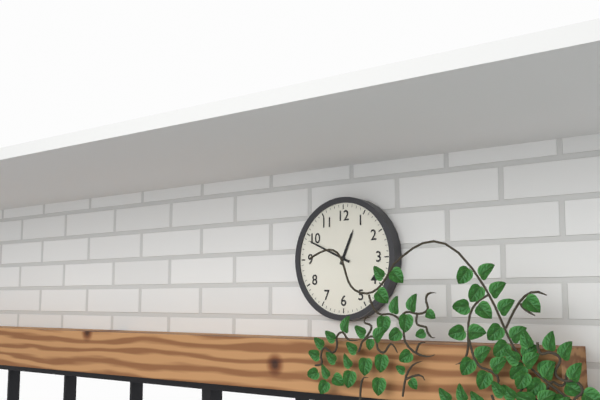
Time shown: {"hour": 12, "minute": 49}
